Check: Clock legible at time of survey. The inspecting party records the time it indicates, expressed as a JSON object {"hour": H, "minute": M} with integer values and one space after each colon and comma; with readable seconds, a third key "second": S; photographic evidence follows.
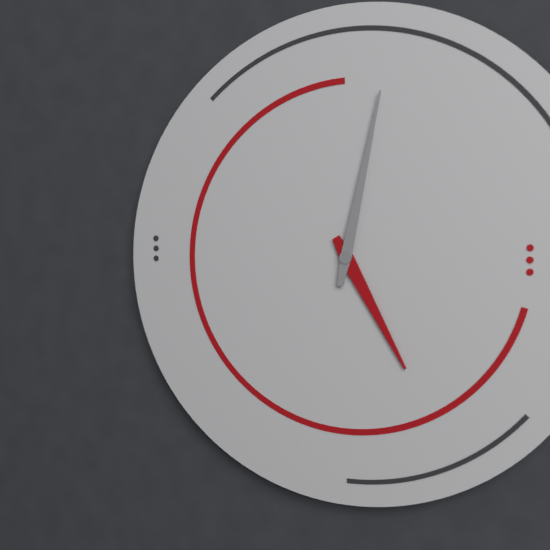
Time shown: {"hour": 5, "minute": 2}
